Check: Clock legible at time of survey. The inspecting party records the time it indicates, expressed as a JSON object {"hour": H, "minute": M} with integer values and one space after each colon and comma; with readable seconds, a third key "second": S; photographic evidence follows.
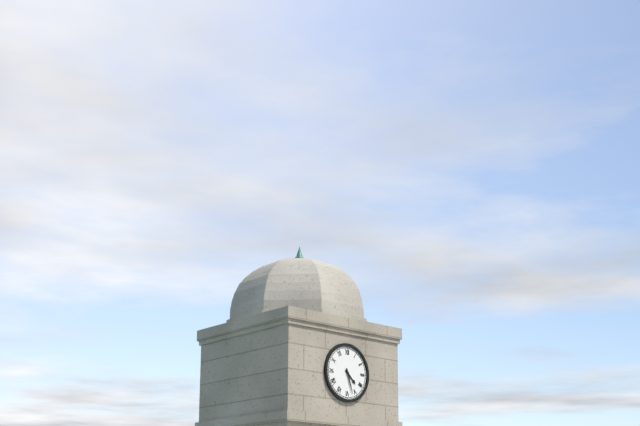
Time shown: {"hour": 4, "minute": 27}
